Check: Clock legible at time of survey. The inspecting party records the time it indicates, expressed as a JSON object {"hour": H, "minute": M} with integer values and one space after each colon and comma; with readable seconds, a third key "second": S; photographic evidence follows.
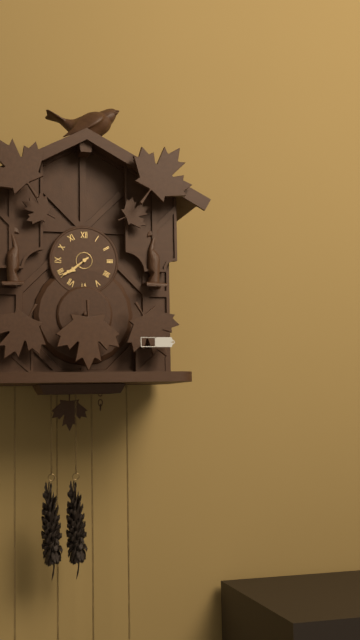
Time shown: {"hour": 7, "minute": 39}
